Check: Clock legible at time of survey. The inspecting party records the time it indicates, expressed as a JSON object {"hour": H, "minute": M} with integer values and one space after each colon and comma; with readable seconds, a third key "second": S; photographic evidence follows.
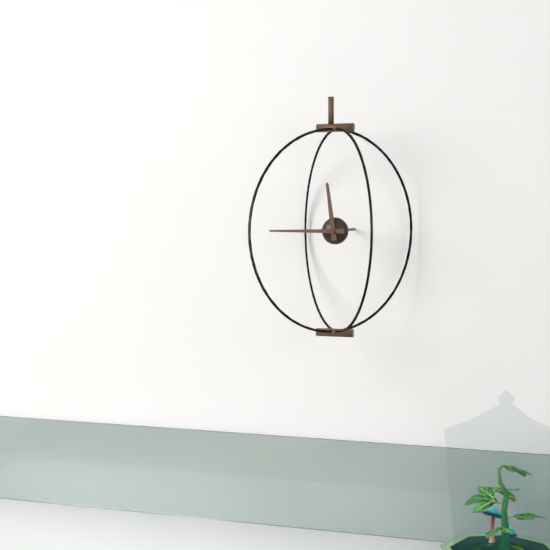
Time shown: {"hour": 11, "minute": 45}
